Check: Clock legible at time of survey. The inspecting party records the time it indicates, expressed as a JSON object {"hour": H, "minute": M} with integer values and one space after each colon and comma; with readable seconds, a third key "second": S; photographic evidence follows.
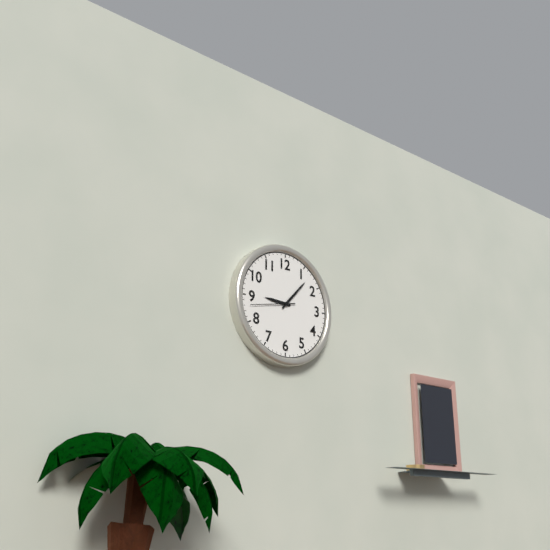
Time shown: {"hour": 9, "minute": 7}
